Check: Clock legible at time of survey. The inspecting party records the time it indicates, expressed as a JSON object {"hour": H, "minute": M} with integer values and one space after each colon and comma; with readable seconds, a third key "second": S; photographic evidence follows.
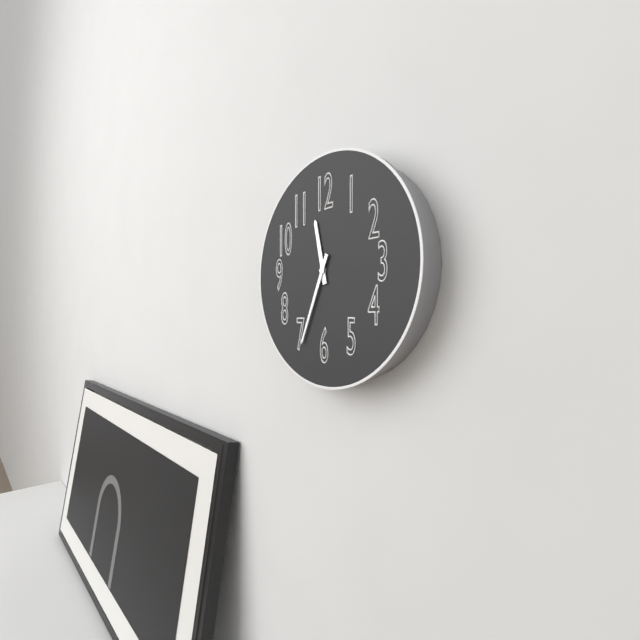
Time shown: {"hour": 11, "minute": 34}
